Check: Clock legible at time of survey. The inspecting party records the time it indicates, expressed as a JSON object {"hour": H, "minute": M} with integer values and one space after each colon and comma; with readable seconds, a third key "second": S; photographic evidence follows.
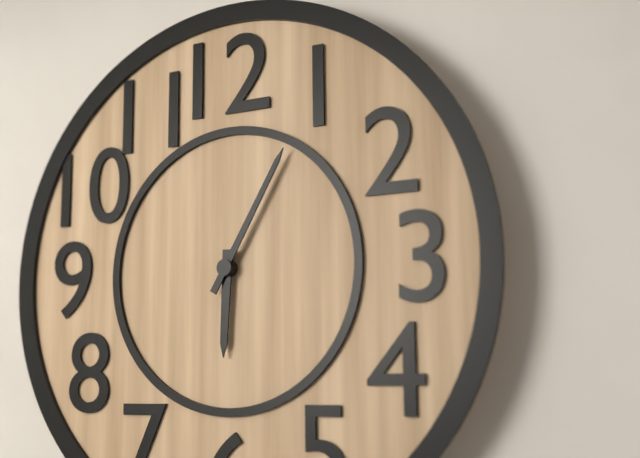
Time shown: {"hour": 6, "minute": 5}
